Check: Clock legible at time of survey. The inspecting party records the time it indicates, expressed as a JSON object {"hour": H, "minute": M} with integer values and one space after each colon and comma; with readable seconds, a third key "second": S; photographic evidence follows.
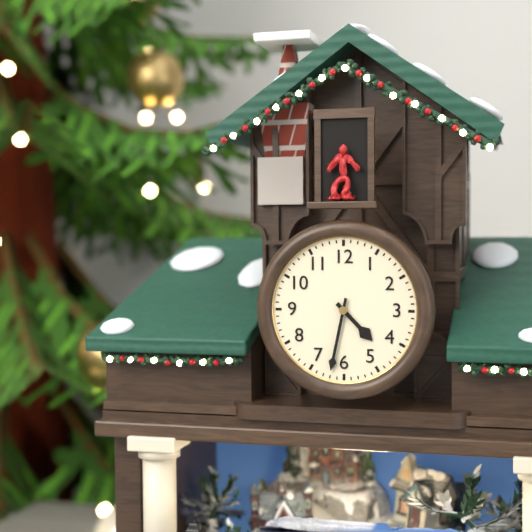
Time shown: {"hour": 4, "minute": 32}
